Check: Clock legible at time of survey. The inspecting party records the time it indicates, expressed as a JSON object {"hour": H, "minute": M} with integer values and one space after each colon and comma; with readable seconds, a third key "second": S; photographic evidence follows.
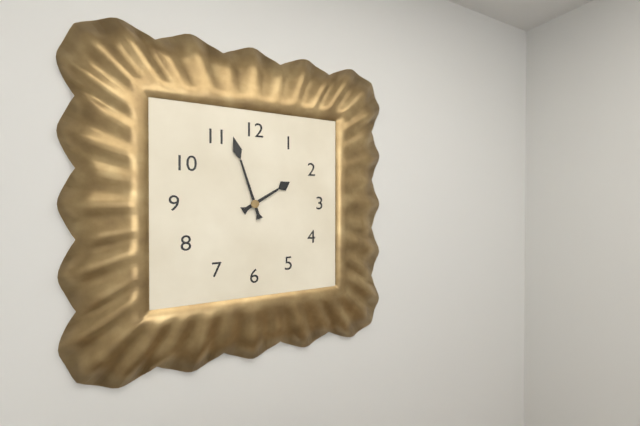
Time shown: {"hour": 1, "minute": 57}
